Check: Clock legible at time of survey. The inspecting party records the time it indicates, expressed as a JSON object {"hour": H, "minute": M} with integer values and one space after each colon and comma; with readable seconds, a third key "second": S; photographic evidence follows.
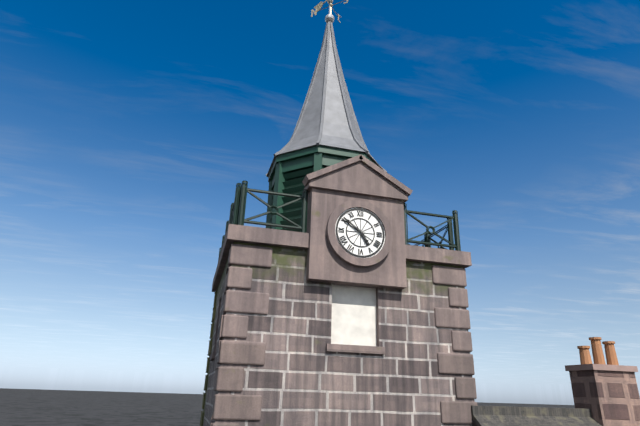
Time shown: {"hour": 4, "minute": 51}
